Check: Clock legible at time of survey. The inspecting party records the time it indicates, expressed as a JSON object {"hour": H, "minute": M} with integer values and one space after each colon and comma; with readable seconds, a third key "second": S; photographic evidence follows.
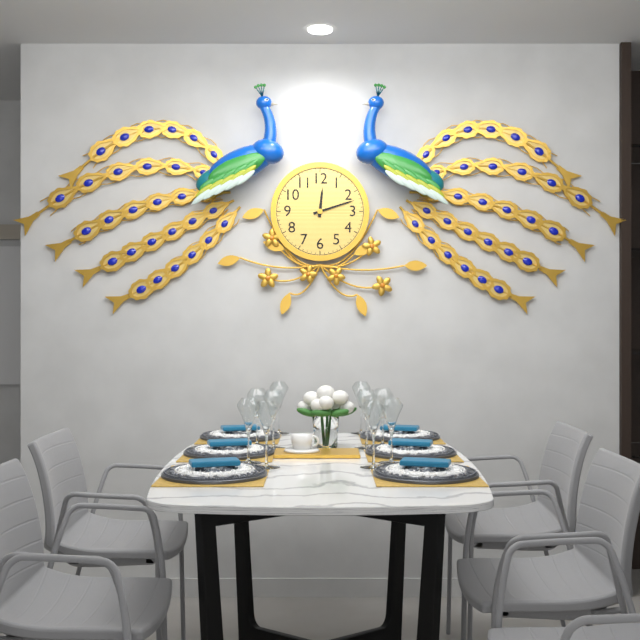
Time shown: {"hour": 12, "minute": 12}
